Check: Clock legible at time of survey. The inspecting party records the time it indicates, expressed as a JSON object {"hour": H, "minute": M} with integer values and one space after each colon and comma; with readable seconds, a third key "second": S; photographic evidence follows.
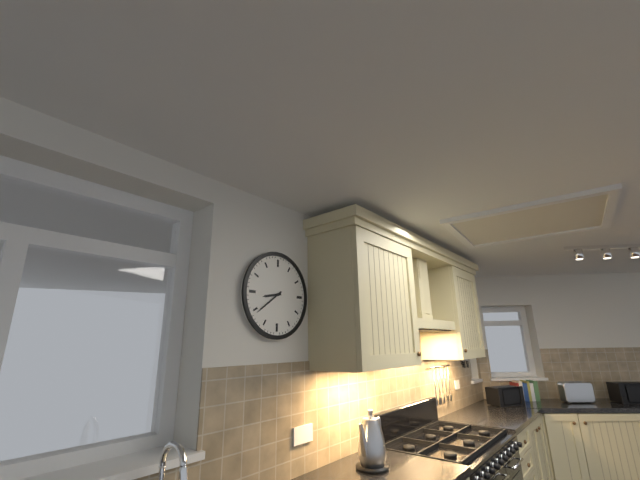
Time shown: {"hour": 8, "minute": 39}
